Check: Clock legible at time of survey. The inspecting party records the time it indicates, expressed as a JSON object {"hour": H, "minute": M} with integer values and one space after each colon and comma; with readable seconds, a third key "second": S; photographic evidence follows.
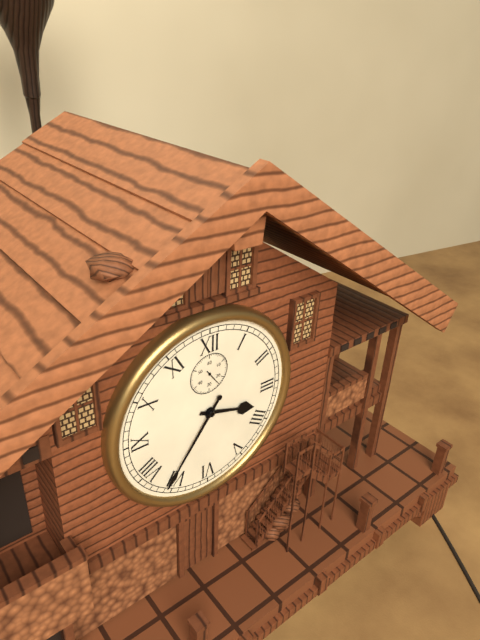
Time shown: {"hour": 3, "minute": 36}
